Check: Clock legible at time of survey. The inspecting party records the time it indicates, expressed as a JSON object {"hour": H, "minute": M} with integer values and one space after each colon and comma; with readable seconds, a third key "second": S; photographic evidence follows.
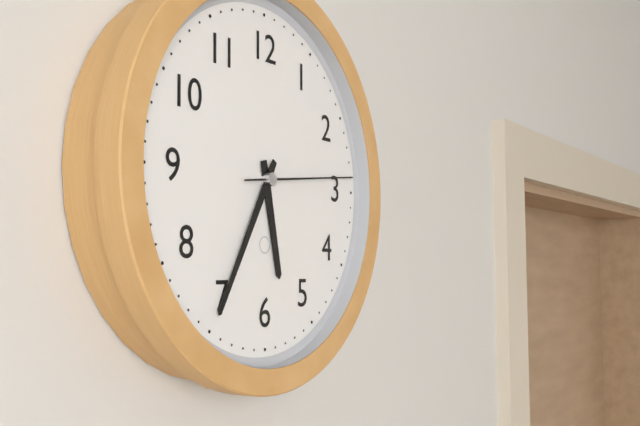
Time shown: {"hour": 5, "minute": 35, "second": 14}
